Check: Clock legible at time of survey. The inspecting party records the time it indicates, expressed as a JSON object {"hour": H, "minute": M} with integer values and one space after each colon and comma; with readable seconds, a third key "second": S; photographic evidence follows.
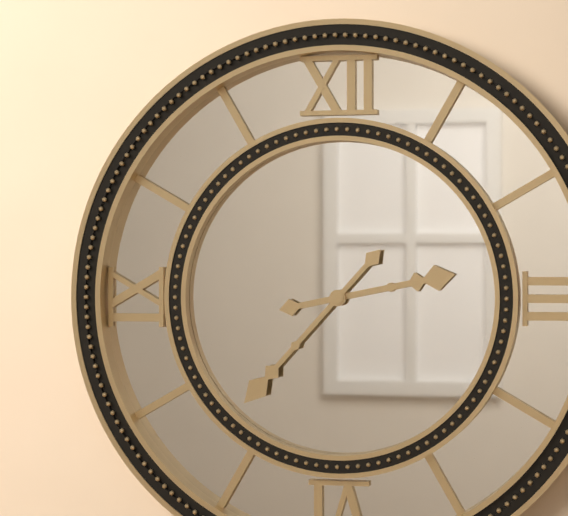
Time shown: {"hour": 2, "minute": 37}
